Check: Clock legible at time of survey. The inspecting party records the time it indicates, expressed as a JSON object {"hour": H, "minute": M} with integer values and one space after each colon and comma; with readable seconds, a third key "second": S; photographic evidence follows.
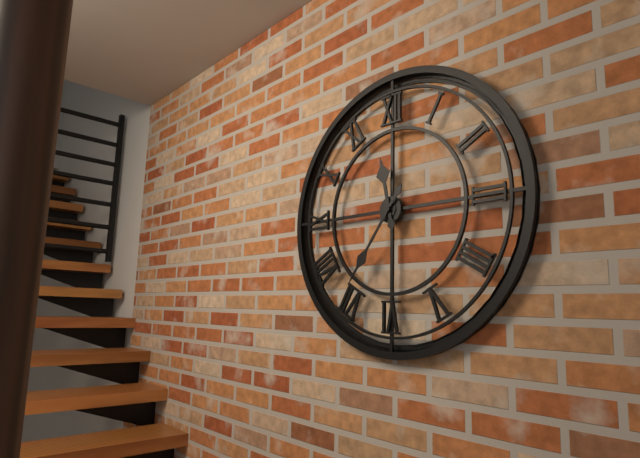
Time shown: {"hour": 11, "minute": 36}
